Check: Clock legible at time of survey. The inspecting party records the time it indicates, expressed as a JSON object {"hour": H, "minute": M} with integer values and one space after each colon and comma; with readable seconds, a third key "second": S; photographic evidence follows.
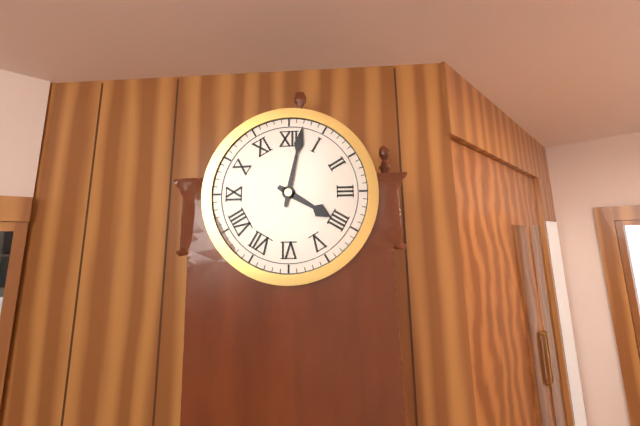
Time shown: {"hour": 4, "minute": 2}
